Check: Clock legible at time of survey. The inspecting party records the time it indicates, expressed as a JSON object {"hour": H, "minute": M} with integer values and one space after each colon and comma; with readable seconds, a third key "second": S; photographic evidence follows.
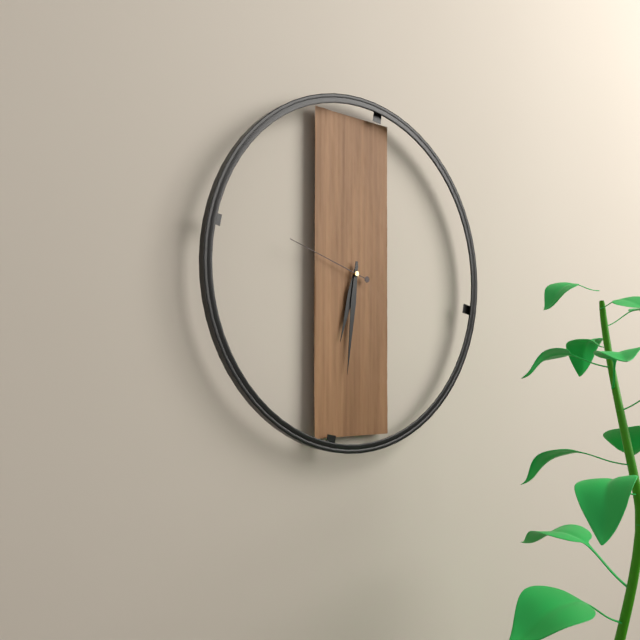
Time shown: {"hour": 6, "minute": 31, "second": 48}
